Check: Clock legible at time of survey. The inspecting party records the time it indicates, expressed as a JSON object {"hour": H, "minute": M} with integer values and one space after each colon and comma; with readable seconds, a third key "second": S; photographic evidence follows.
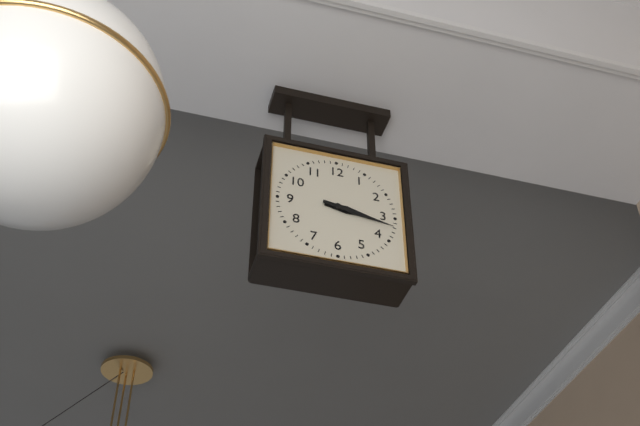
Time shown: {"hour": 3, "minute": 17}
